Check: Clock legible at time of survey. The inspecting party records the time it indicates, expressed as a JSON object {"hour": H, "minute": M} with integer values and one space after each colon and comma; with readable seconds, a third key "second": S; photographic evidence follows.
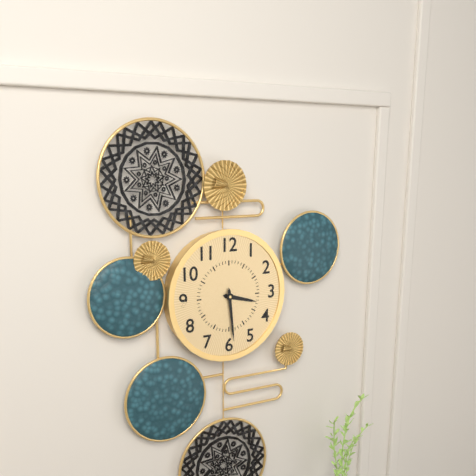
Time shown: {"hour": 3, "minute": 29}
